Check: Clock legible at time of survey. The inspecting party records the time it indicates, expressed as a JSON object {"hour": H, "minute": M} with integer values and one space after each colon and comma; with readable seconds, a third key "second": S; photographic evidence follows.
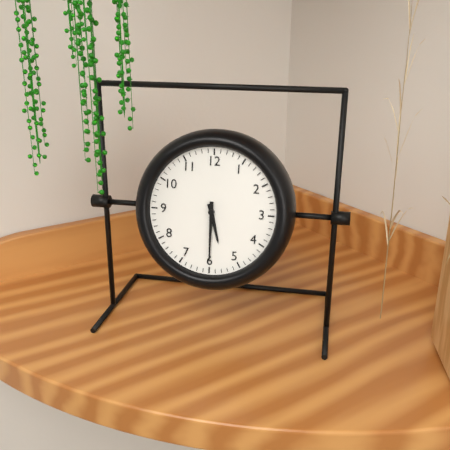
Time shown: {"hour": 5, "minute": 30}
